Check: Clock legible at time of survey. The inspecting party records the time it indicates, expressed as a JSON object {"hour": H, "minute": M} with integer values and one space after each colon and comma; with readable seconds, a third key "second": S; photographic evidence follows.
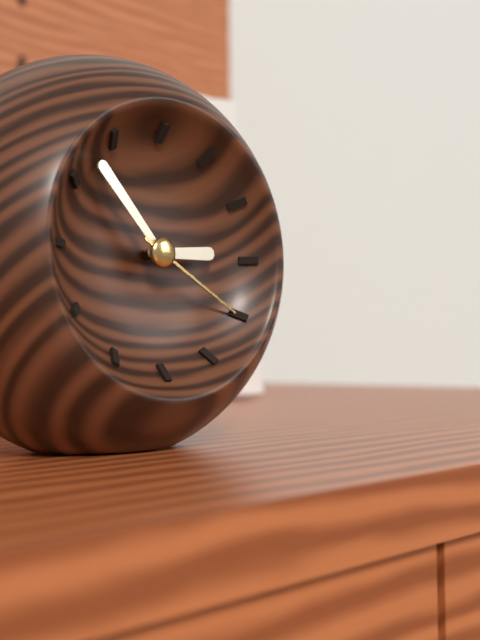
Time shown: {"hour": 2, "minute": 53, "second": 20}
